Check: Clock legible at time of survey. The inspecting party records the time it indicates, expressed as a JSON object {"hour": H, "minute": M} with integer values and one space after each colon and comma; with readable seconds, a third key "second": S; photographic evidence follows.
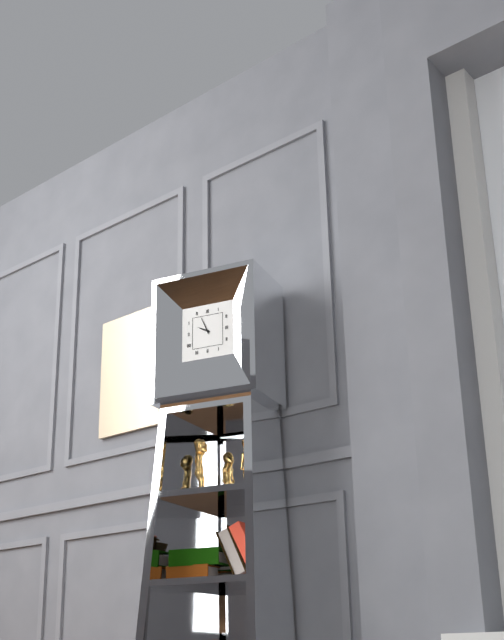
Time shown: {"hour": 9, "minute": 56}
